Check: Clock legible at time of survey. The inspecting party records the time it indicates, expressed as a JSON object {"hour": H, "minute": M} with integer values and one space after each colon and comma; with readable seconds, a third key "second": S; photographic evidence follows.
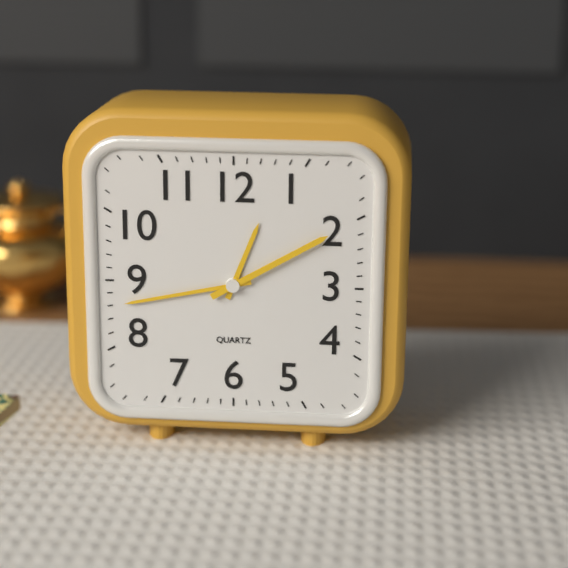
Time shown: {"hour": 12, "minute": 43, "second": 10}
